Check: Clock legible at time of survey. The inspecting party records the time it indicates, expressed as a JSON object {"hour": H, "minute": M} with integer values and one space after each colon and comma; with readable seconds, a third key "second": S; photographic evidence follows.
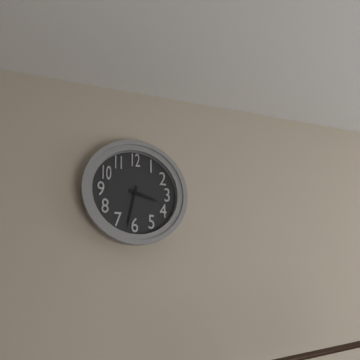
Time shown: {"hour": 3, "minute": 32}
